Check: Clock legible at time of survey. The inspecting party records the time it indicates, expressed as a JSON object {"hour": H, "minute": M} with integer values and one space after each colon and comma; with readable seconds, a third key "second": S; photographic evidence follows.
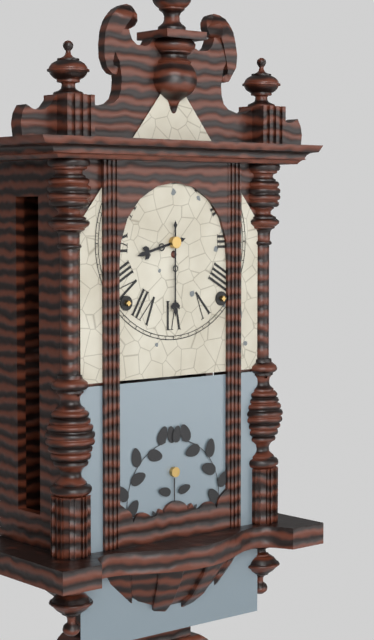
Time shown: {"hour": 8, "minute": 30}
